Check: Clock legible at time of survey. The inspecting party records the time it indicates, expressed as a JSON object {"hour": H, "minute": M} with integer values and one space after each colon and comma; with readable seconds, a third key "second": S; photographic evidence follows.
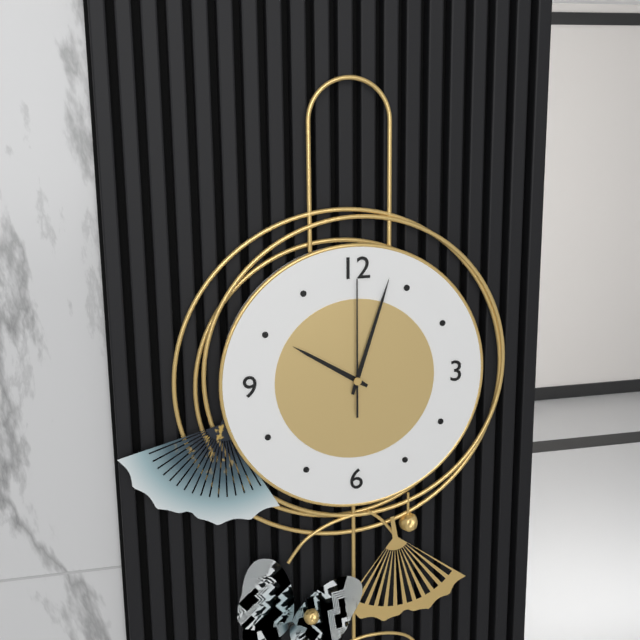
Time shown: {"hour": 10, "minute": 3, "second": 0}
